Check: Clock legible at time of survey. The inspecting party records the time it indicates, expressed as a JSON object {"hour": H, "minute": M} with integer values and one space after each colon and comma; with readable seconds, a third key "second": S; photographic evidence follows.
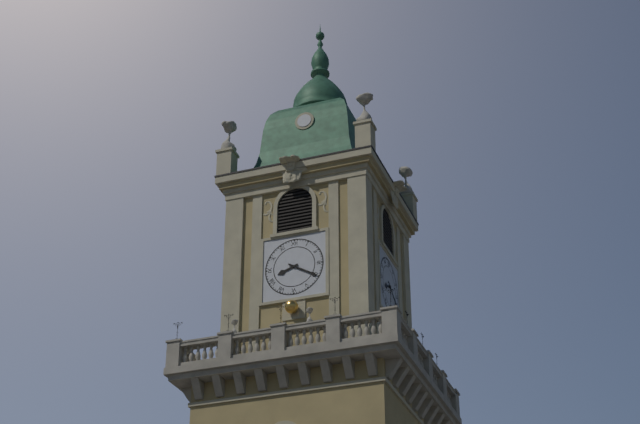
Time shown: {"hour": 8, "minute": 20}
